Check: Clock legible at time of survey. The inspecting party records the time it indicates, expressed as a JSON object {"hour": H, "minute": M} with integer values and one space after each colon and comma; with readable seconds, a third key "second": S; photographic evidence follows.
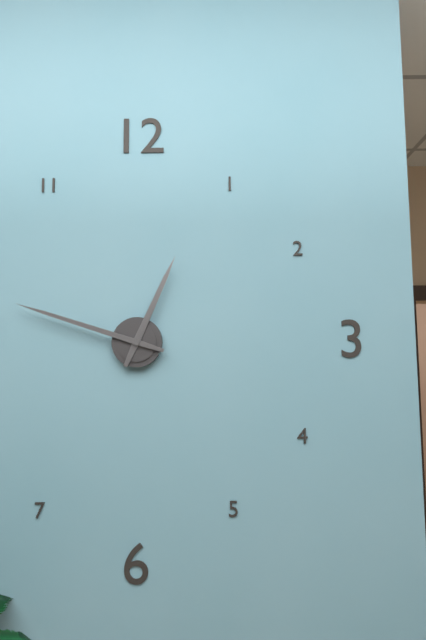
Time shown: {"hour": 12, "minute": 48}
